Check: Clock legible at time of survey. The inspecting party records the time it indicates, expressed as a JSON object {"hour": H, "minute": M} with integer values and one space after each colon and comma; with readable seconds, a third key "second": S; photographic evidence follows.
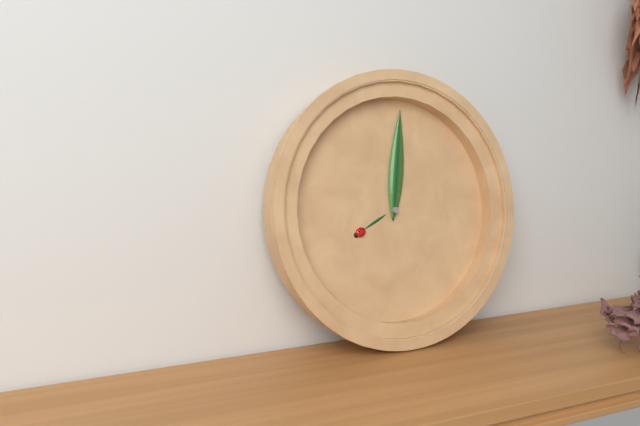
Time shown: {"hour": 8, "minute": 1}
